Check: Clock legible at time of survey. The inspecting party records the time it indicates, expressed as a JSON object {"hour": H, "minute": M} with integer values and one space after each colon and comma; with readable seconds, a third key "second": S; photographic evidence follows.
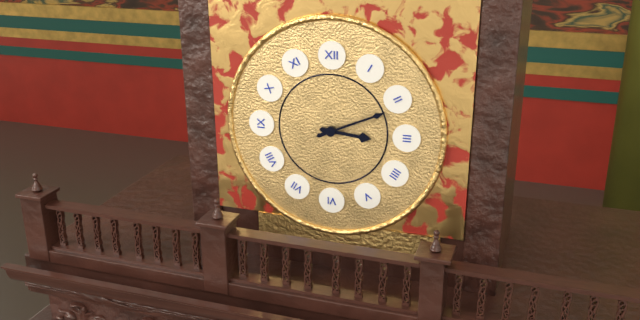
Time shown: {"hour": 3, "minute": 11}
